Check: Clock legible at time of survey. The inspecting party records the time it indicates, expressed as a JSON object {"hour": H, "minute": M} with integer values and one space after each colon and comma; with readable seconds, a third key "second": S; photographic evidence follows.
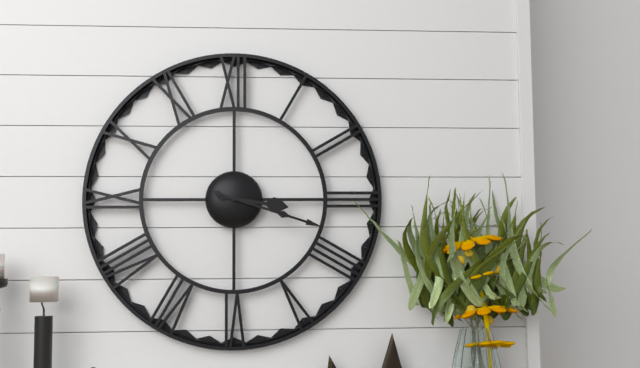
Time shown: {"hour": 3, "minute": 18}
